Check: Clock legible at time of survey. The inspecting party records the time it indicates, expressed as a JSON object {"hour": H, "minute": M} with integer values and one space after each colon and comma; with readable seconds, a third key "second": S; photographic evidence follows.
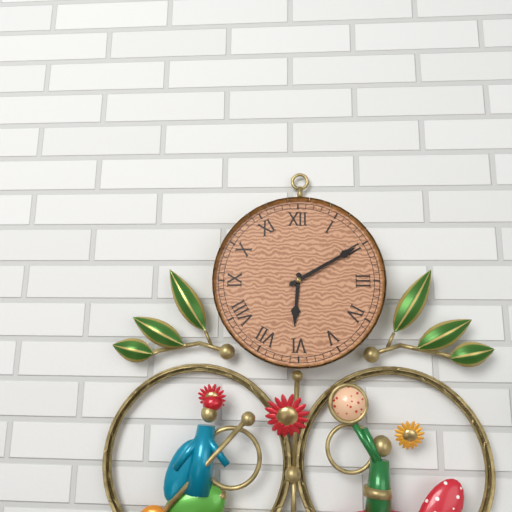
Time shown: {"hour": 6, "minute": 10}
